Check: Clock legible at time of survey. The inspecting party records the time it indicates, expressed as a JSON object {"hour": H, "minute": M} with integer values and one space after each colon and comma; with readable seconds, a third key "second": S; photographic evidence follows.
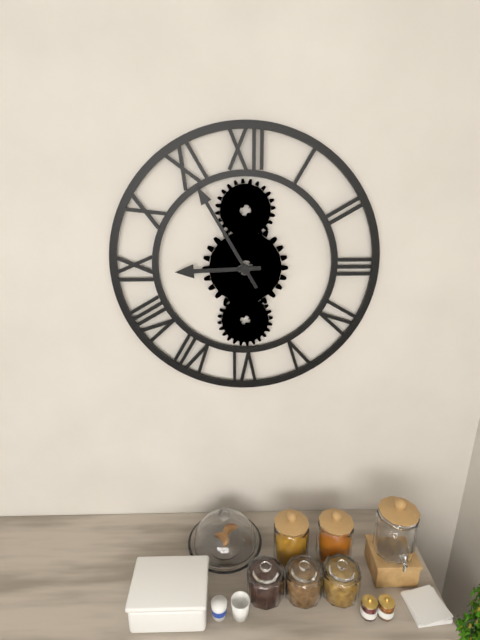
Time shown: {"hour": 8, "minute": 55}
